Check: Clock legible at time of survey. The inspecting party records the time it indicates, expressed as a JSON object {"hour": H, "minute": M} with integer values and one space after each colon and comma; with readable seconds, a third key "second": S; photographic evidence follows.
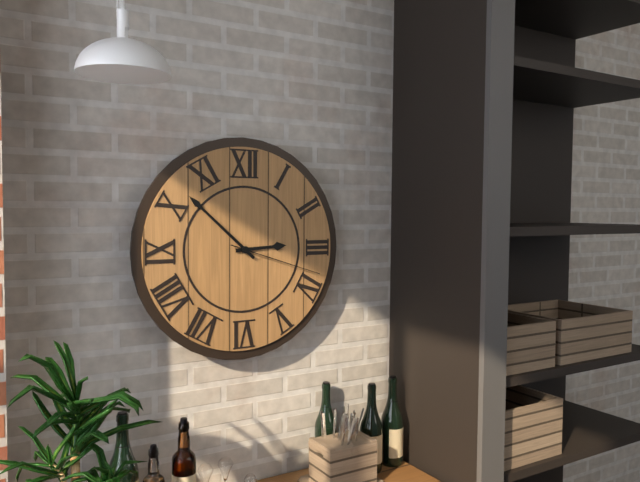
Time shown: {"hour": 2, "minute": 52, "second": 18}
